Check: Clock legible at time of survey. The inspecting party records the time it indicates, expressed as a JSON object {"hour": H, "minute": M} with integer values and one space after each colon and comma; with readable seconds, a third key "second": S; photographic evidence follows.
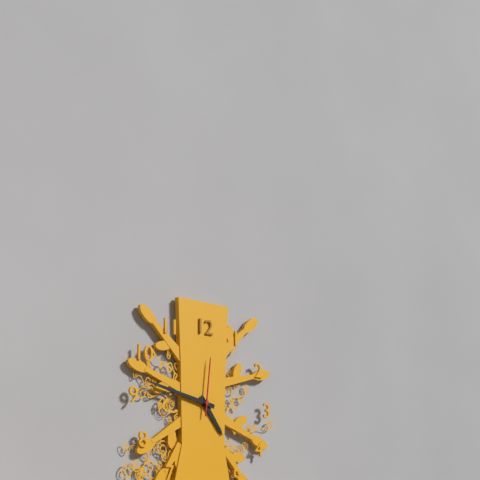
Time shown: {"hour": 4, "minute": 47, "second": 1}
